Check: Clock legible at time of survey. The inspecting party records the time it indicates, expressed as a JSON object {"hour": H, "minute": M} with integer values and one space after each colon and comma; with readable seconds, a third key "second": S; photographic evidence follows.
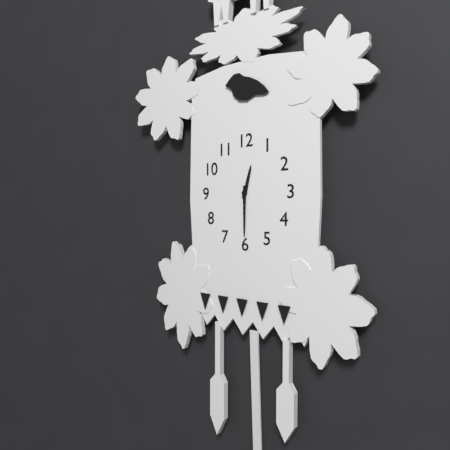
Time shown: {"hour": 12, "minute": 30}
